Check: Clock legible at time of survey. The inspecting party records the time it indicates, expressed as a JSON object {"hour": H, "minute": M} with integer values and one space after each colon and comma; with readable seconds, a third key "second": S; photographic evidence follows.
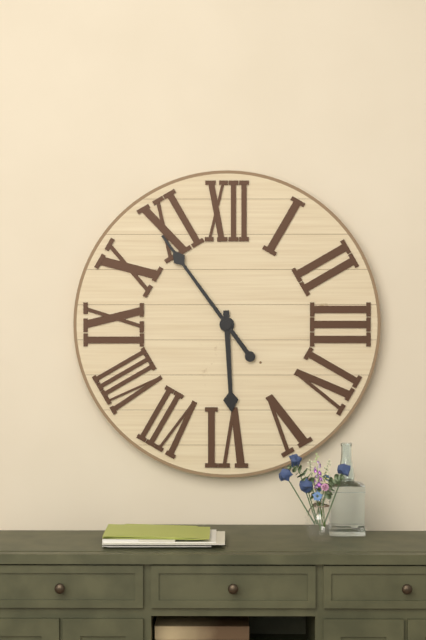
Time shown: {"hour": 5, "minute": 54}
